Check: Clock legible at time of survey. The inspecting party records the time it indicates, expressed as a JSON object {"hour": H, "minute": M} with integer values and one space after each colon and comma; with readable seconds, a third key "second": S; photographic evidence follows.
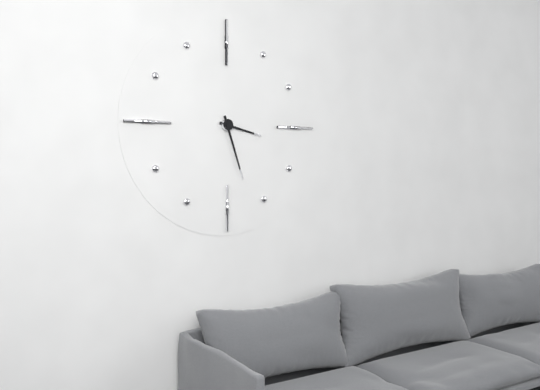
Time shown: {"hour": 3, "minute": 27}
